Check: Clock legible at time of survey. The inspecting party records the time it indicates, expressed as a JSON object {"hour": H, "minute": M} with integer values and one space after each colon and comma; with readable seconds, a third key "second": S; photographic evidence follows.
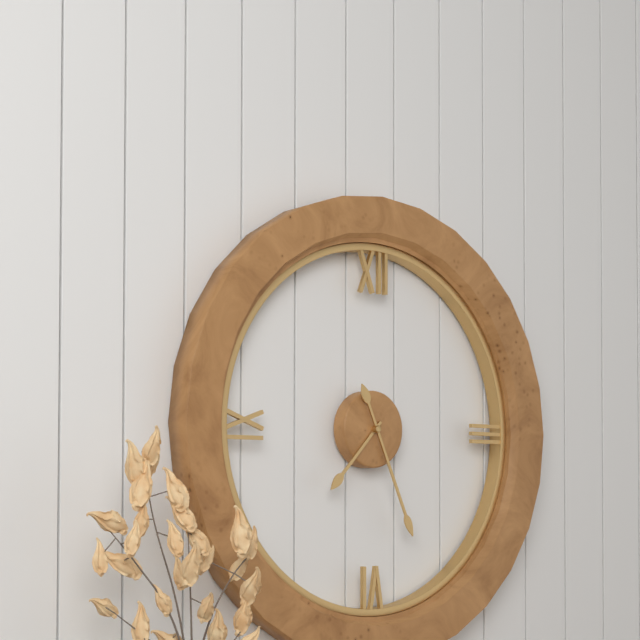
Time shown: {"hour": 7, "minute": 26}
